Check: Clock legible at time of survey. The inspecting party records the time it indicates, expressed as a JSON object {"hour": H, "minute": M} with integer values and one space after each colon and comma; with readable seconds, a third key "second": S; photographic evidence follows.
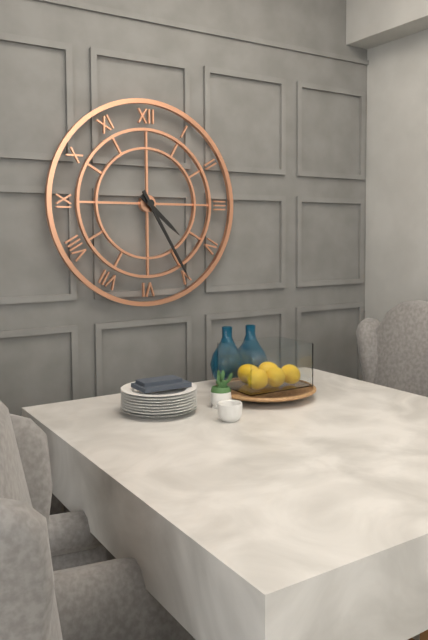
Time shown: {"hour": 4, "minute": 25}
